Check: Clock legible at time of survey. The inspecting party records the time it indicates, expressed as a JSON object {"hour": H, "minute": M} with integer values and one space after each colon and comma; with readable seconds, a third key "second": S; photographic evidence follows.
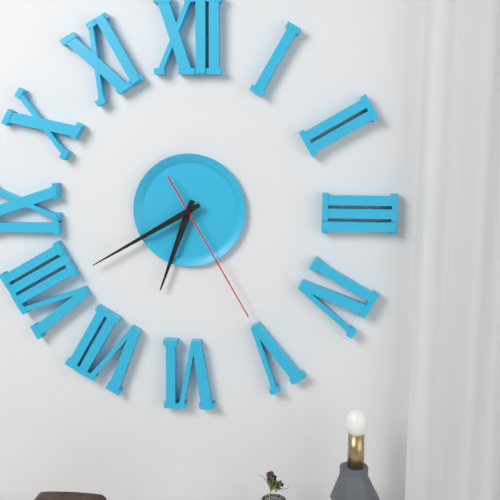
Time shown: {"hour": 6, "minute": 40, "second": 25}
